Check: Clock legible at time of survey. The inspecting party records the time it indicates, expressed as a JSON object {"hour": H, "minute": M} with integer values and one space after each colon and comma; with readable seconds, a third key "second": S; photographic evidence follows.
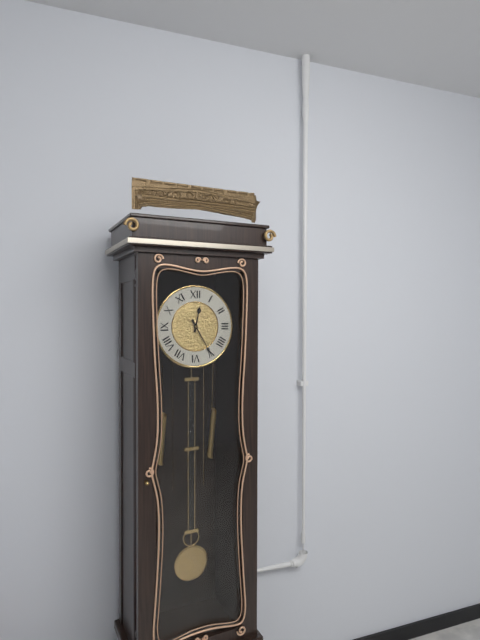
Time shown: {"hour": 12, "minute": 25}
